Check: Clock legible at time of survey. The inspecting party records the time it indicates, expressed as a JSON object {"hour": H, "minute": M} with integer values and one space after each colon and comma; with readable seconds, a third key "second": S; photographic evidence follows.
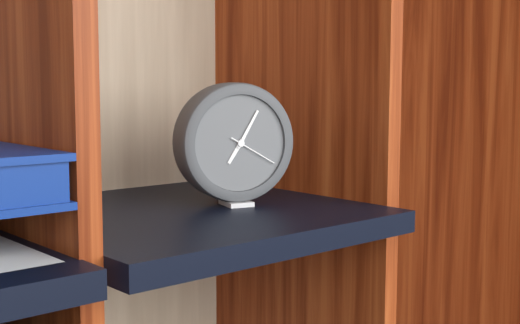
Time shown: {"hour": 7, "minute": 5}
